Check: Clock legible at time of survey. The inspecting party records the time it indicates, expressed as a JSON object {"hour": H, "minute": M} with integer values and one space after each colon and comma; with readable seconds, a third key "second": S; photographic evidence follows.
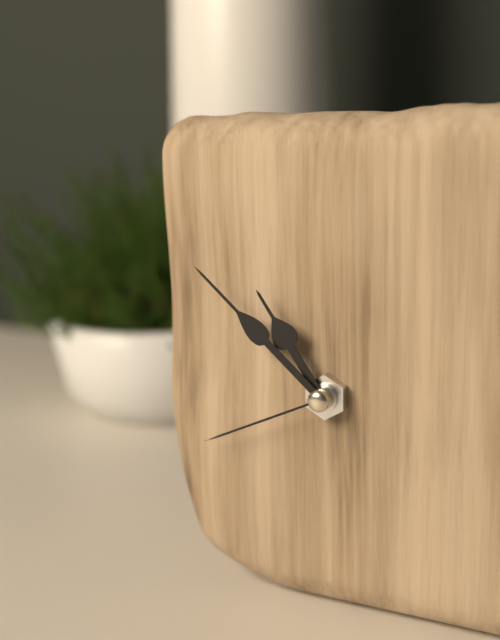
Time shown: {"hour": 10, "minute": 52, "second": 41}
